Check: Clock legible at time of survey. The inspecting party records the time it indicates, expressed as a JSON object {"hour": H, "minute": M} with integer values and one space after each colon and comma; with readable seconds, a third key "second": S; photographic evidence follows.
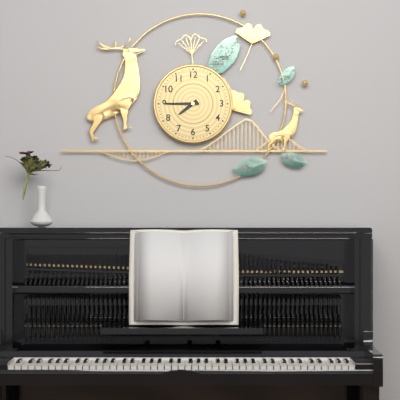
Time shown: {"hour": 7, "minute": 45}
